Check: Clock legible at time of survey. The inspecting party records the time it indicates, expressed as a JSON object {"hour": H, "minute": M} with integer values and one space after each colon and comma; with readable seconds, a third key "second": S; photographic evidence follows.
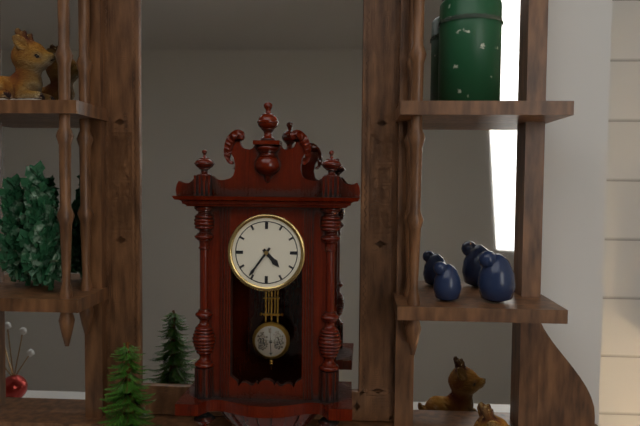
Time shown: {"hour": 4, "minute": 36}
